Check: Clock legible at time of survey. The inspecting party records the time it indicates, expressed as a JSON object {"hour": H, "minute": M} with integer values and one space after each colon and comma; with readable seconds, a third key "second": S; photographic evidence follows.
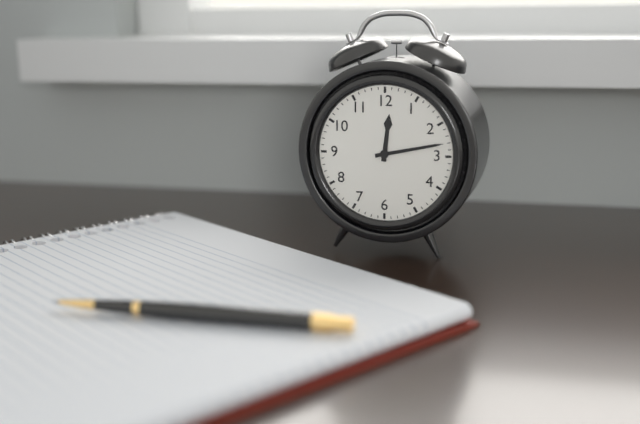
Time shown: {"hour": 12, "minute": 13}
